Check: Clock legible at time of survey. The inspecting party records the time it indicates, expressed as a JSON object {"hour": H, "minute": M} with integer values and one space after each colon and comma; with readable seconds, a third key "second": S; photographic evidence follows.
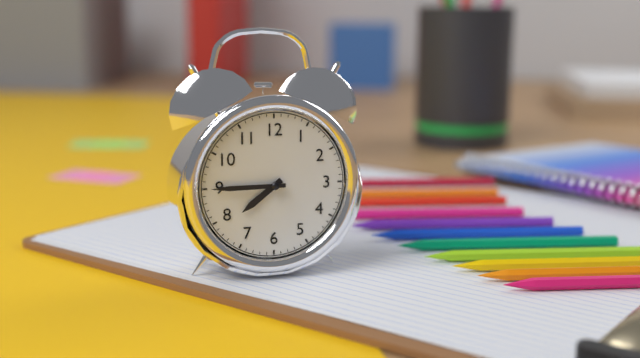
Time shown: {"hour": 7, "minute": 45}
